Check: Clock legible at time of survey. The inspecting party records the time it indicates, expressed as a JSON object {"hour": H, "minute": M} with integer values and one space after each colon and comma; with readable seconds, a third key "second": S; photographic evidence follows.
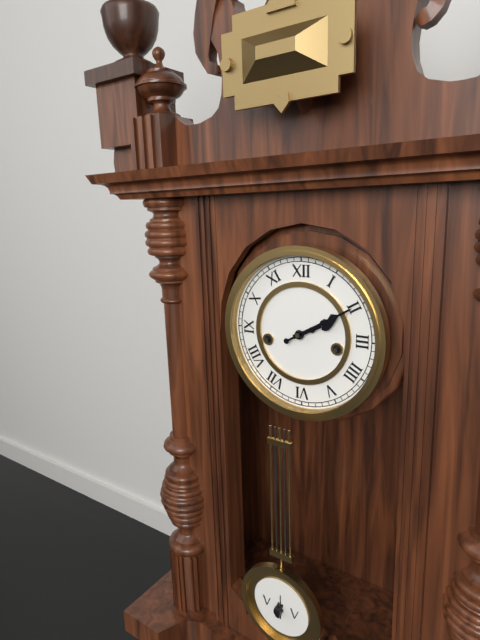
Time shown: {"hour": 2, "minute": 10}
